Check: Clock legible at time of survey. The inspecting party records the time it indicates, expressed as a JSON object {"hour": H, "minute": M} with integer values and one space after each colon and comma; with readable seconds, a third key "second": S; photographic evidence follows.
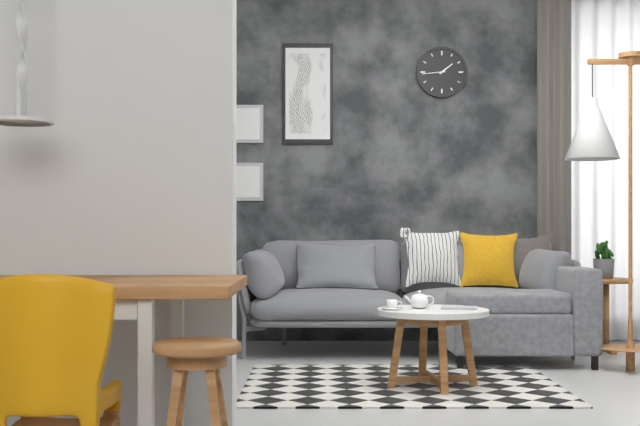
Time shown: {"hour": 1, "minute": 44}
